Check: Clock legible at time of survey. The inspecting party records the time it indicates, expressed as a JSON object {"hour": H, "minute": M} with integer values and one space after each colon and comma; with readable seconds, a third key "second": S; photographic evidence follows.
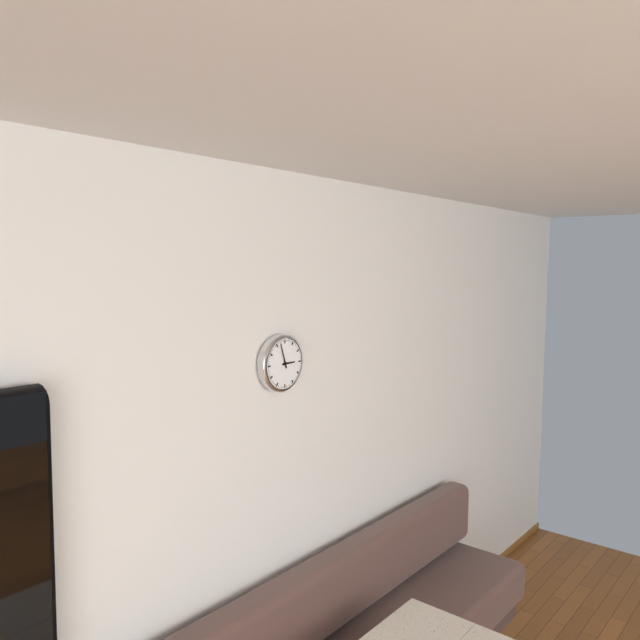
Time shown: {"hour": 2, "minute": 57}
